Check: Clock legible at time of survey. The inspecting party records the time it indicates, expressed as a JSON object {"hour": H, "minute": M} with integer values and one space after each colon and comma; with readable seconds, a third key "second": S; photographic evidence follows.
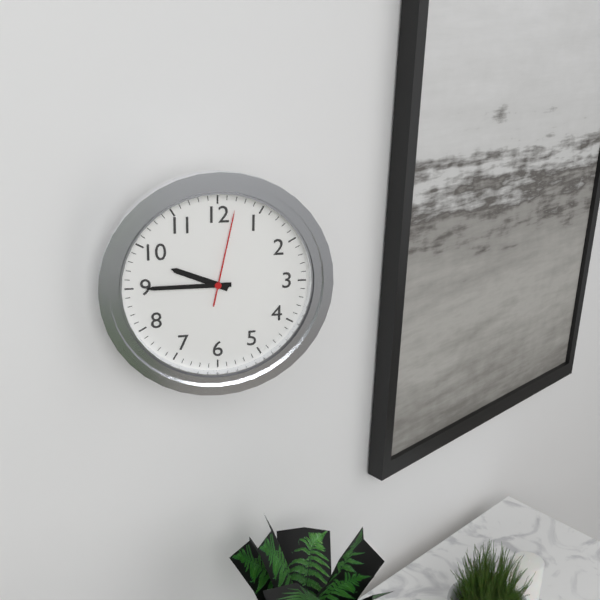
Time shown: {"hour": 9, "minute": 45, "second": 2}
